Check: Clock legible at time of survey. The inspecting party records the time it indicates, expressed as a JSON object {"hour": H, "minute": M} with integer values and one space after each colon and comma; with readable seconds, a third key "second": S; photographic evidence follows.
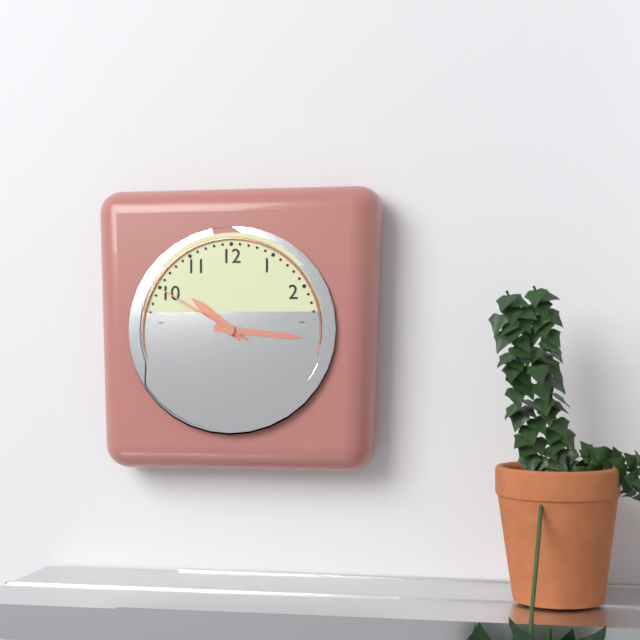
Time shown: {"hour": 10, "minute": 16, "second": 50}
